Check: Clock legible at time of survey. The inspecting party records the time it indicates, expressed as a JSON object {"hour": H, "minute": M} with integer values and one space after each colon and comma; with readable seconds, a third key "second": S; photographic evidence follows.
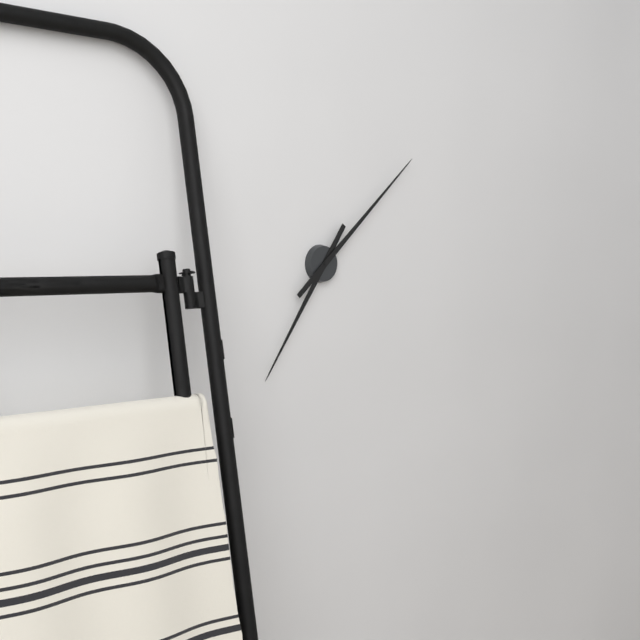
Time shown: {"hour": 7, "minute": 8}
